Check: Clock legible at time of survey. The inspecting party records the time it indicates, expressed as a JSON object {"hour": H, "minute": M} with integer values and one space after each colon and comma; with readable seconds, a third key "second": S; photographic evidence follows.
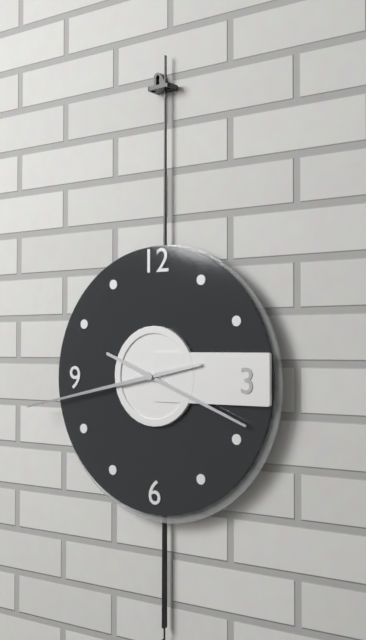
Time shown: {"hour": 3, "minute": 43}
